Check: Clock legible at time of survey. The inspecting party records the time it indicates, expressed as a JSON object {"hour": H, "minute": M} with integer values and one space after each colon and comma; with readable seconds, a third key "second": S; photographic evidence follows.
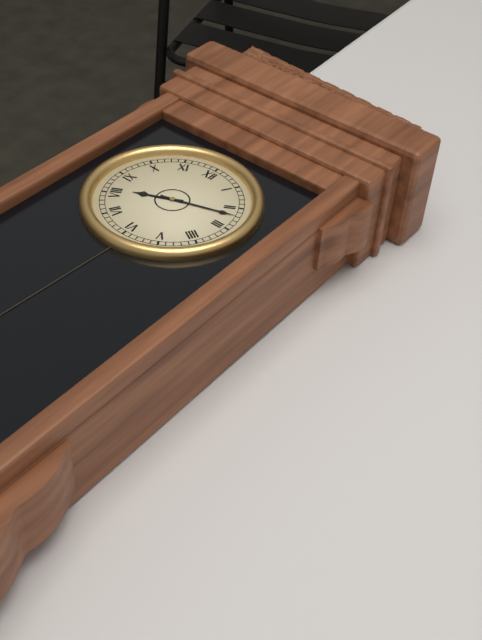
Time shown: {"hour": 8, "minute": 12}
